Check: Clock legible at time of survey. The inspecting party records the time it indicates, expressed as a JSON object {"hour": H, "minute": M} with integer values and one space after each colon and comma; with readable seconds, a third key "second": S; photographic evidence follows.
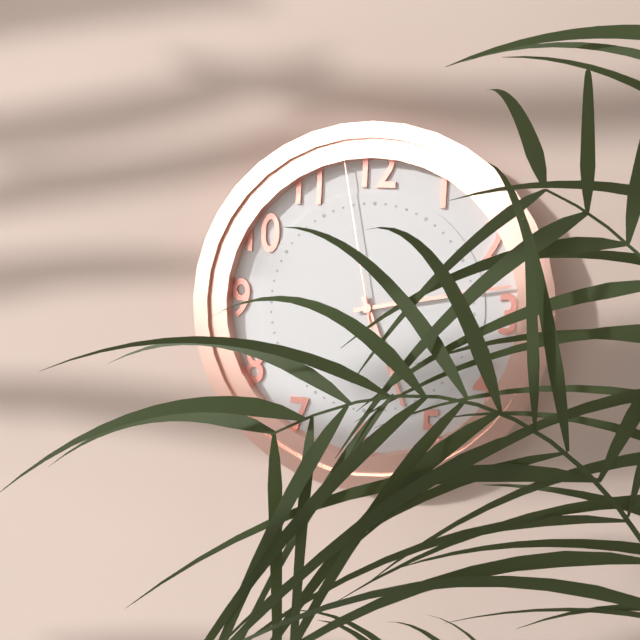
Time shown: {"hour": 5, "minute": 13, "second": 58}
